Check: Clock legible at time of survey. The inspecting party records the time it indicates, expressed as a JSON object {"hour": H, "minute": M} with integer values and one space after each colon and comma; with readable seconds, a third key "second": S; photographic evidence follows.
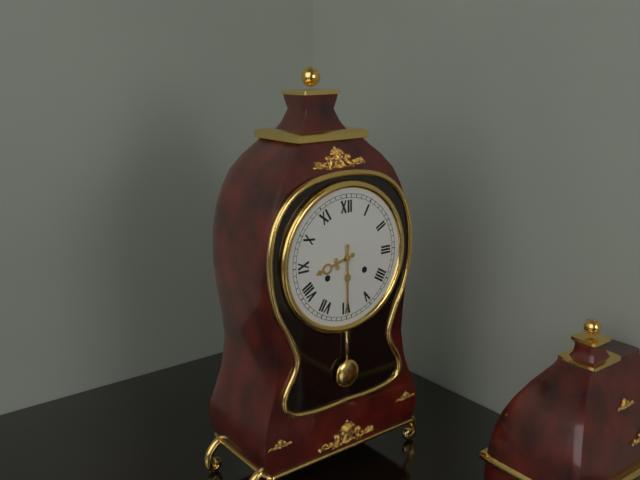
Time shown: {"hour": 8, "minute": 30}
